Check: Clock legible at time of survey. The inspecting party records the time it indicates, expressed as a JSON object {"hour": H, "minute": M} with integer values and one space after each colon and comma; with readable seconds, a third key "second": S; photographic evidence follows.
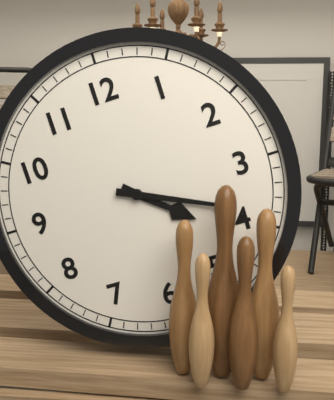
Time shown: {"hour": 4, "minute": 19}
